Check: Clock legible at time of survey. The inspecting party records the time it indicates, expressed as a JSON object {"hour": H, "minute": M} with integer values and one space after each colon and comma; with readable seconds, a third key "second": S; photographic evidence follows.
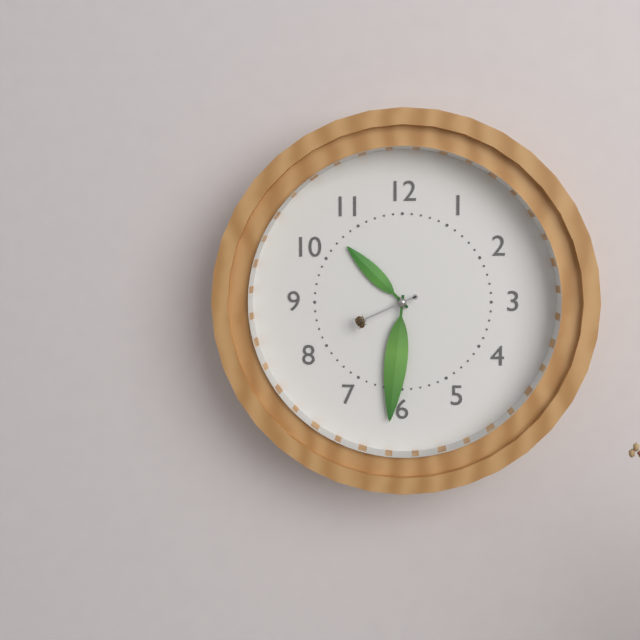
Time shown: {"hour": 10, "minute": 31, "second": 41}
